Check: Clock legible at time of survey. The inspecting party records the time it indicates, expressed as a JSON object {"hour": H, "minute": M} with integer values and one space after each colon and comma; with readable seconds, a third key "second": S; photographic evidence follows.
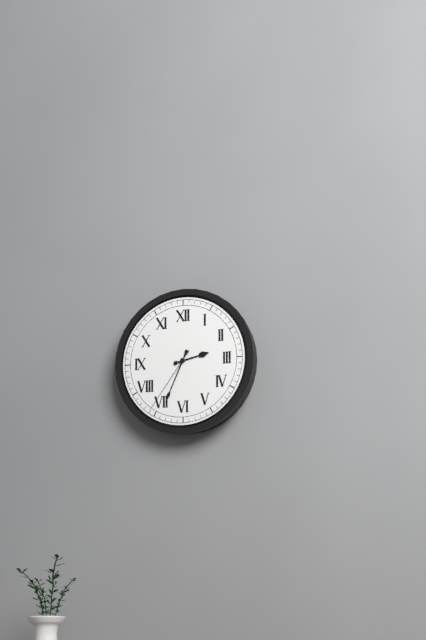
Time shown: {"hour": 2, "minute": 34, "second": 36}
